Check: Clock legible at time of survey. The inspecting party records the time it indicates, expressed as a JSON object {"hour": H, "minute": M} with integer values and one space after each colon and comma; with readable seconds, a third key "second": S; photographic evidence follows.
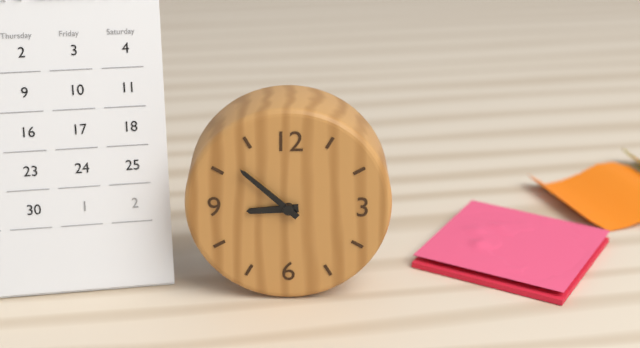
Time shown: {"hour": 8, "minute": 52}
